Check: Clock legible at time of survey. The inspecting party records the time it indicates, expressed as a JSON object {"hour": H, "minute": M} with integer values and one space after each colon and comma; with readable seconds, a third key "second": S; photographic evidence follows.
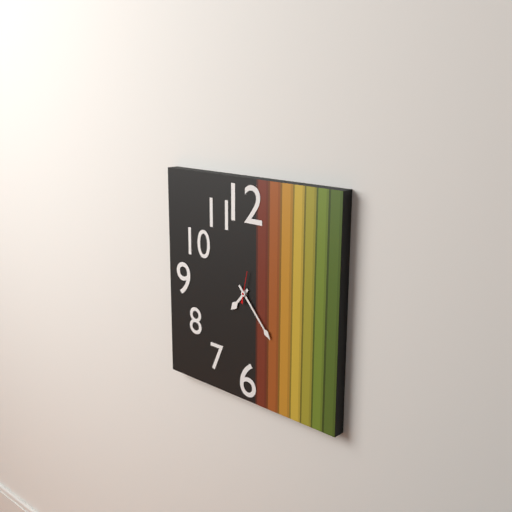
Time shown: {"hour": 7, "minute": 23}
